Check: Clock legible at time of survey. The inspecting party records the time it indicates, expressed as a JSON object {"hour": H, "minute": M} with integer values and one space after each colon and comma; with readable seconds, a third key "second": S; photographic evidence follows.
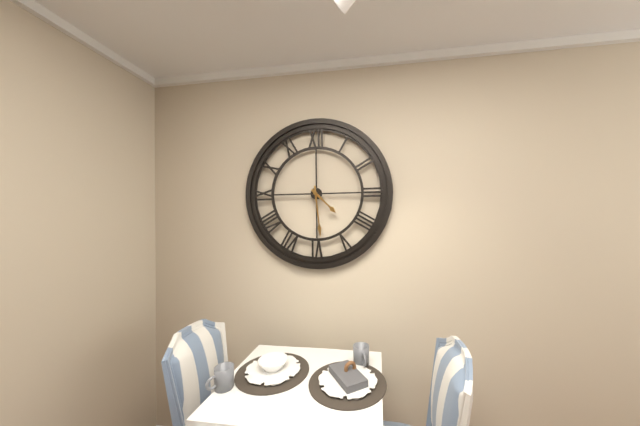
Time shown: {"hour": 4, "minute": 29}
